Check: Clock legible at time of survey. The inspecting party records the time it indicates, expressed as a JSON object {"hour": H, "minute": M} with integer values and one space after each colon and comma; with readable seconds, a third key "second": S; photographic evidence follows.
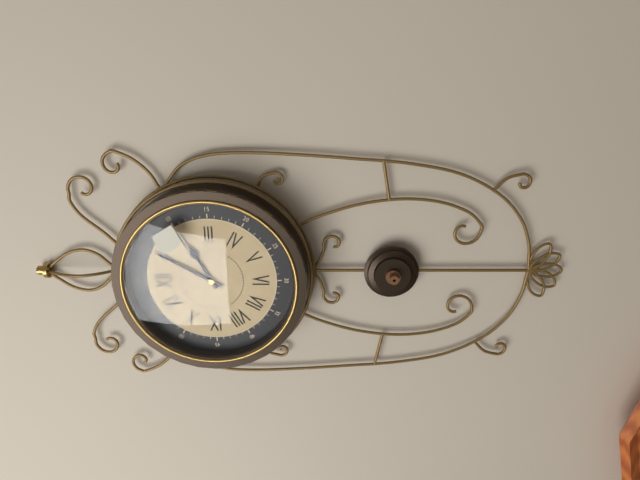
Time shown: {"hour": 2, "minute": 5}
